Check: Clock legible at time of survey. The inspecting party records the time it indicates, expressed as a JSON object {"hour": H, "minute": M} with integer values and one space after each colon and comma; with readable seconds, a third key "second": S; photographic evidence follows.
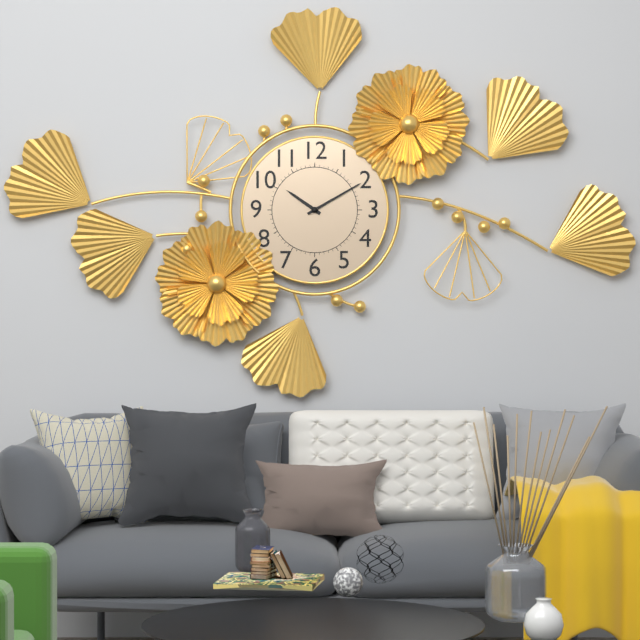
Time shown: {"hour": 10, "minute": 10}
